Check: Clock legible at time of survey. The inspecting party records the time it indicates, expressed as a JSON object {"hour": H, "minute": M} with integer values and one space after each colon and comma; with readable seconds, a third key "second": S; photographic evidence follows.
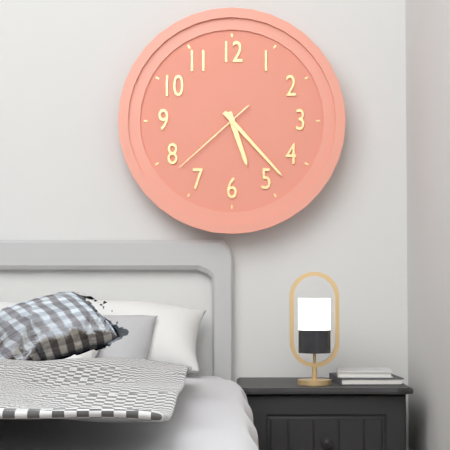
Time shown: {"hour": 5, "minute": 23, "second": 38}
